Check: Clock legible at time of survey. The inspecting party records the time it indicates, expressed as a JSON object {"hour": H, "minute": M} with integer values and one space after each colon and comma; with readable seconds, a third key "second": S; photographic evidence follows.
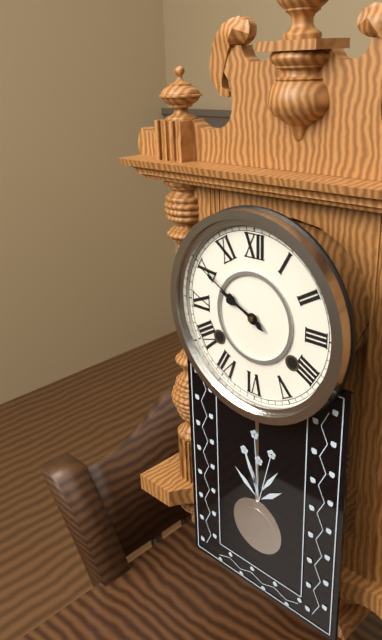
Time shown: {"hour": 9, "minute": 50}
